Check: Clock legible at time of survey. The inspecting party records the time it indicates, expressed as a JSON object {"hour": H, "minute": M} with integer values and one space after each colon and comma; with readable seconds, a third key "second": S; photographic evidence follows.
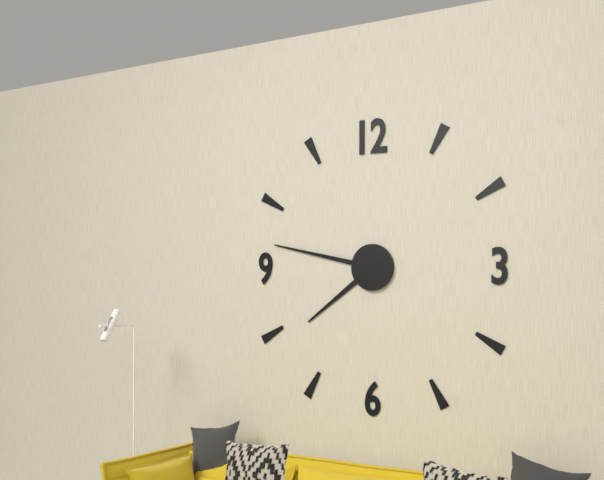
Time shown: {"hour": 7, "minute": 47}
